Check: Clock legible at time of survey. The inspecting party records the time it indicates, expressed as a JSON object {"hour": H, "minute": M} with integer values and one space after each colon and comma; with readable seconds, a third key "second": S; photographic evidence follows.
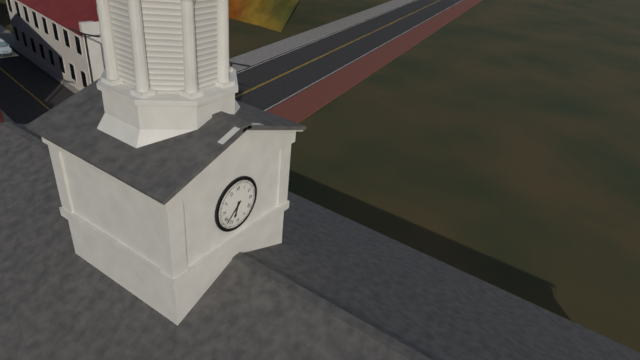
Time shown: {"hour": 6, "minute": 38}
